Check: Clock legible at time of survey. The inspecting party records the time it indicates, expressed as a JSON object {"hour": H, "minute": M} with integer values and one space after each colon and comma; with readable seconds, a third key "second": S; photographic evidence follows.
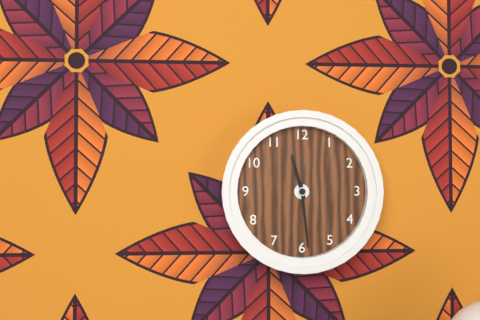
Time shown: {"hour": 11, "minute": 29}
